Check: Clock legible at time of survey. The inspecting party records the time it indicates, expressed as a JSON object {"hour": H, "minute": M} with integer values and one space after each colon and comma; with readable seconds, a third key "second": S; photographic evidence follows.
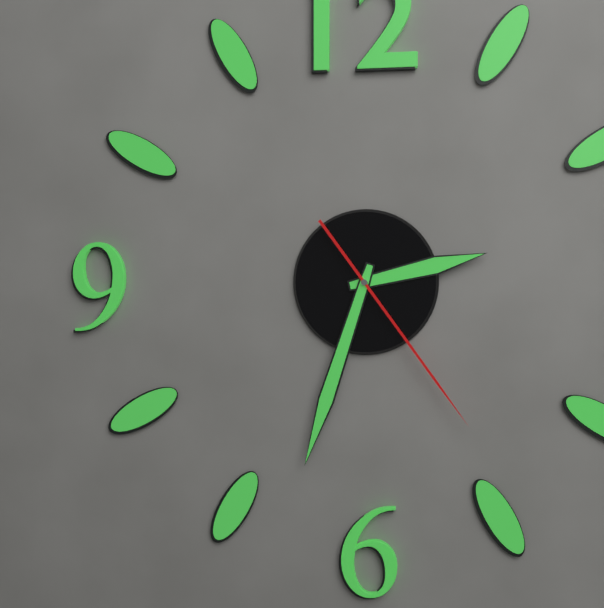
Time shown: {"hour": 2, "minute": 33, "second": 24}
